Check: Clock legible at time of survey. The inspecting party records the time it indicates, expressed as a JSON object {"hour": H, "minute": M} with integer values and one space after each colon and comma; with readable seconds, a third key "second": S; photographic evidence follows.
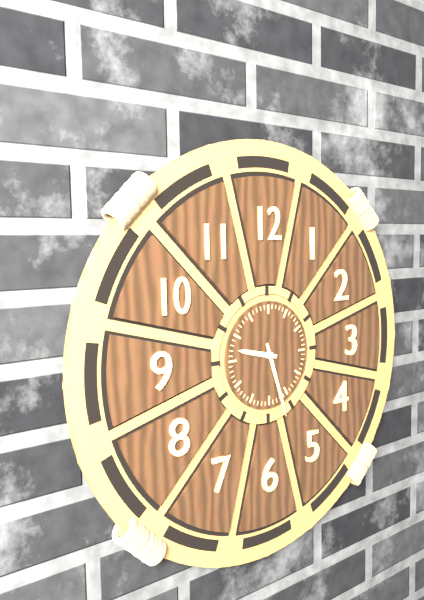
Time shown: {"hour": 9, "minute": 27}
